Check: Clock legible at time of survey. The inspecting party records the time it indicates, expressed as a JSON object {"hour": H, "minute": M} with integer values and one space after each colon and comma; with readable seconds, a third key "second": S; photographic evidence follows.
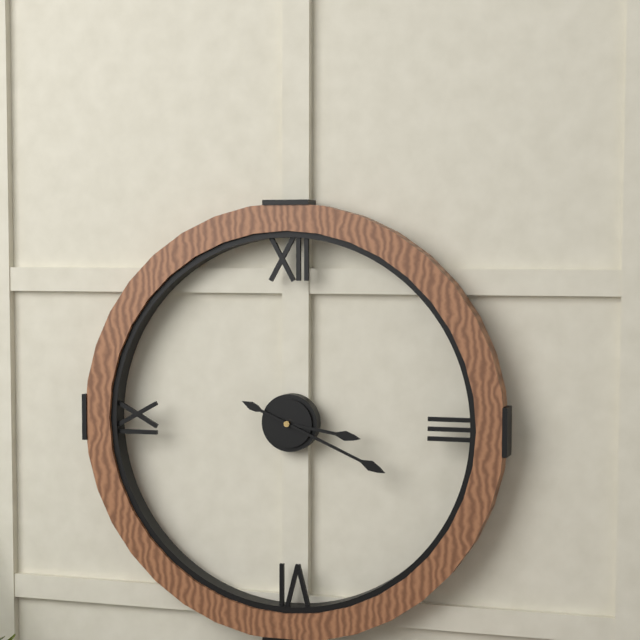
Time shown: {"hour": 3, "minute": 19}
